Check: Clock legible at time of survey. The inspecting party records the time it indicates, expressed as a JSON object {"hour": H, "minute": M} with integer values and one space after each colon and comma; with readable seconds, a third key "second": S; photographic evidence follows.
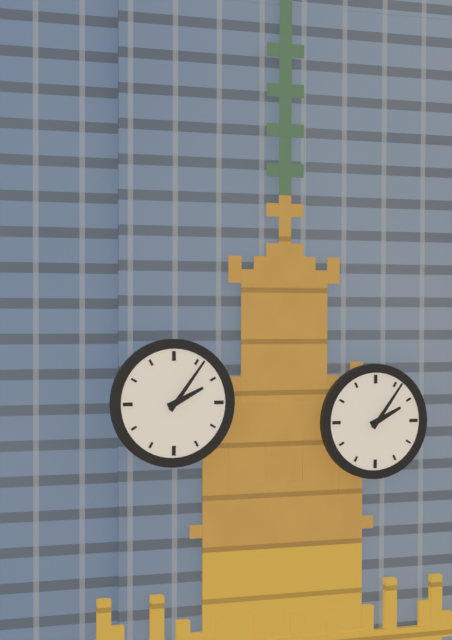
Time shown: {"hour": 2, "minute": 6}
